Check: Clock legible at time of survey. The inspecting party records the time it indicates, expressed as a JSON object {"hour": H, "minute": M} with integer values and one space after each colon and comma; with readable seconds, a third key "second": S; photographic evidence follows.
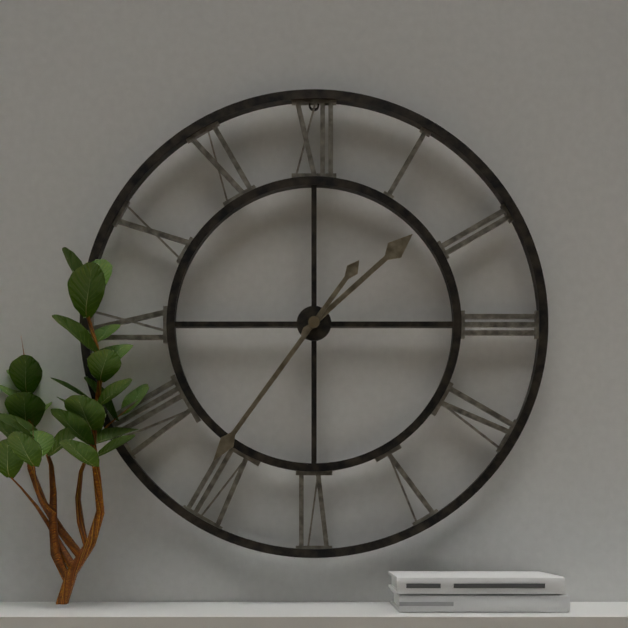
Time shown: {"hour": 1, "minute": 36}
